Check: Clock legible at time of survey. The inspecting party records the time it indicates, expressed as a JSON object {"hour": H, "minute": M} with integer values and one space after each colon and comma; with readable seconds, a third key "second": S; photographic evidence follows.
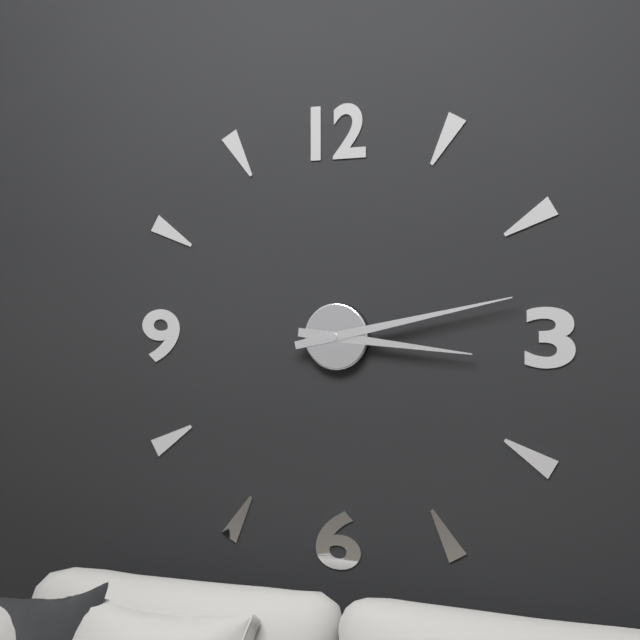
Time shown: {"hour": 3, "minute": 13}
